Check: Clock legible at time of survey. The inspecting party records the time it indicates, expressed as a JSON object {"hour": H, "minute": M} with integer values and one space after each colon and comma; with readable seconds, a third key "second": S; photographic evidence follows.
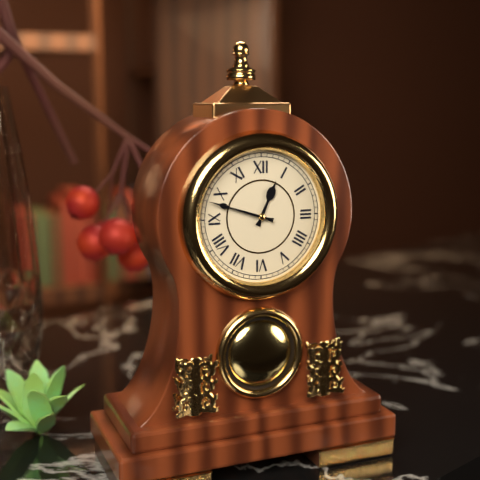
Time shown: {"hour": 12, "minute": 48}
